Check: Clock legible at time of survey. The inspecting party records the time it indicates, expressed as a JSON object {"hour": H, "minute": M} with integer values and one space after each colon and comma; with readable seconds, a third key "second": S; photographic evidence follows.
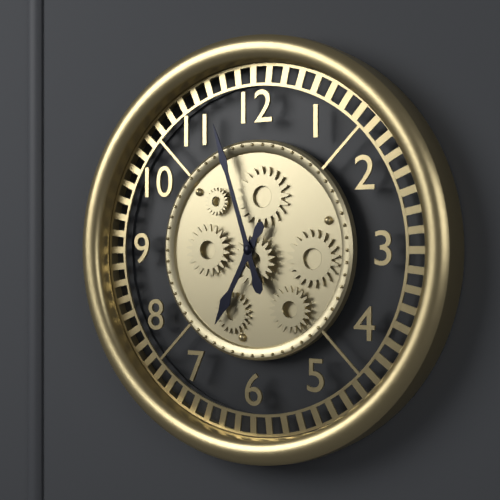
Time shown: {"hour": 6, "minute": 57}
